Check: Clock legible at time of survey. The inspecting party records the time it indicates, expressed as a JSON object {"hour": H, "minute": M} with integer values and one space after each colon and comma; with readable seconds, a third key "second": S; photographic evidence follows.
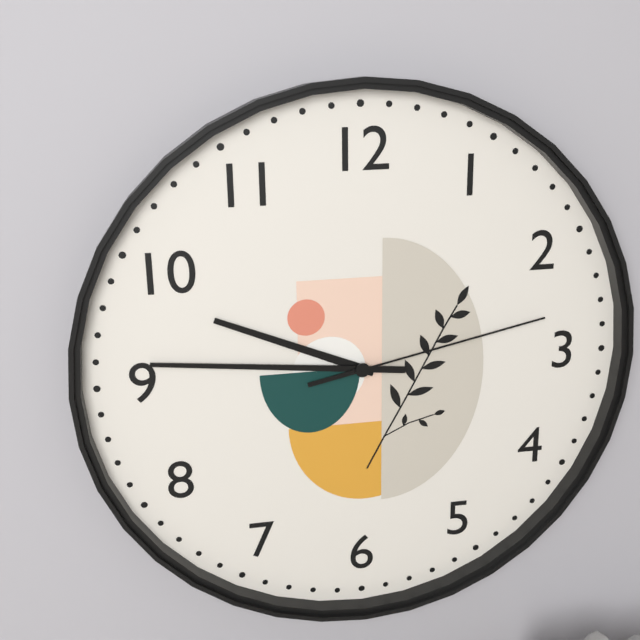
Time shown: {"hour": 9, "minute": 46, "second": 13}
